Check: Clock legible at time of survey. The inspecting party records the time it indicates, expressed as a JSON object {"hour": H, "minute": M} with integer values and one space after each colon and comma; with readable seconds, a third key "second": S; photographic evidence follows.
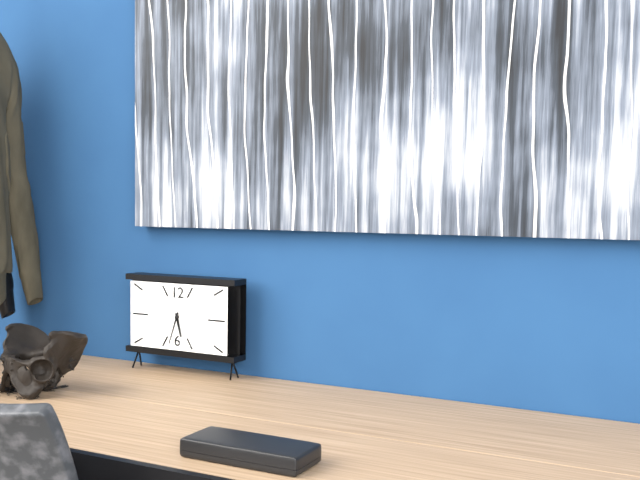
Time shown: {"hour": 5, "minute": 33}
